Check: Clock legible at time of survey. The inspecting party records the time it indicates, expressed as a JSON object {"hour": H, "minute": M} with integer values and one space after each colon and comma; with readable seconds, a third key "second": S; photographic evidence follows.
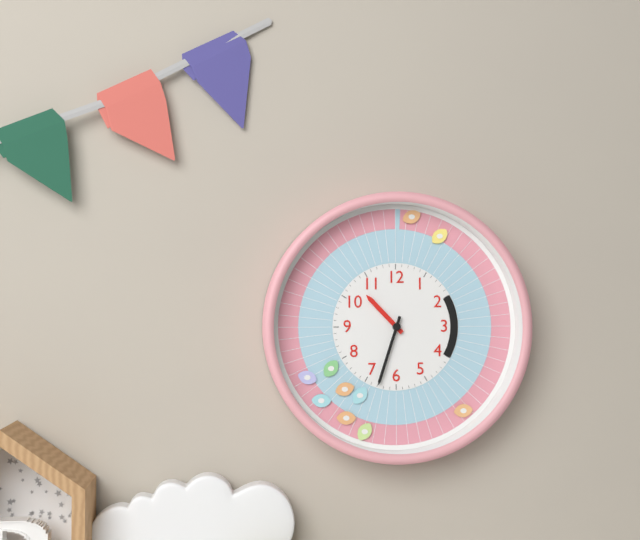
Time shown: {"hour": 10, "minute": 33}
